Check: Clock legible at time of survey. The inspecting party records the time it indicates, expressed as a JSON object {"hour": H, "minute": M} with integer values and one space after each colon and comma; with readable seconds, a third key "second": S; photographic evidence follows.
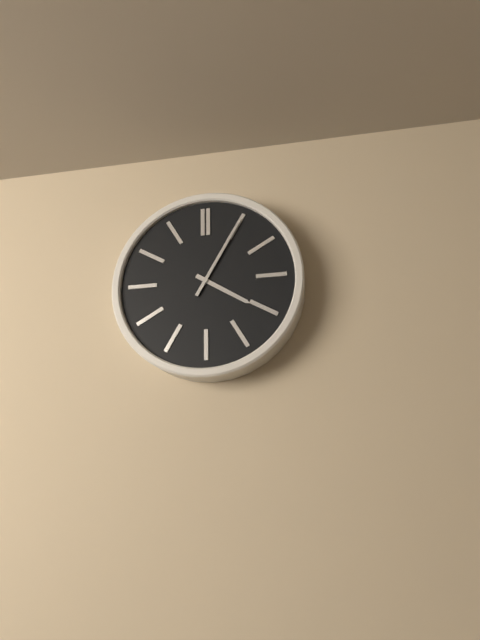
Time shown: {"hour": 4, "minute": 5}
